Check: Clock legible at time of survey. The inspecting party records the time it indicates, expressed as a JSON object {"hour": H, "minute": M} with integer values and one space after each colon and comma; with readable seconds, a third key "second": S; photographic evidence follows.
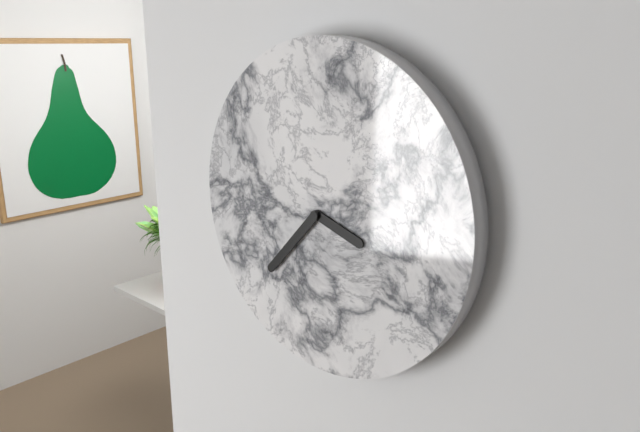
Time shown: {"hour": 3, "minute": 37}
